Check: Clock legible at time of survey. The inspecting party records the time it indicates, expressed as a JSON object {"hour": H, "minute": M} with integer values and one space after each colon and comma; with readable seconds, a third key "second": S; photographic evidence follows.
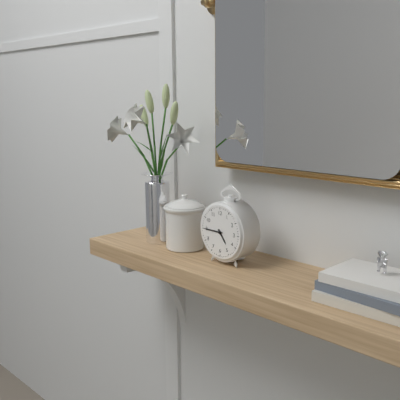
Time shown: {"hour": 4, "minute": 45}
